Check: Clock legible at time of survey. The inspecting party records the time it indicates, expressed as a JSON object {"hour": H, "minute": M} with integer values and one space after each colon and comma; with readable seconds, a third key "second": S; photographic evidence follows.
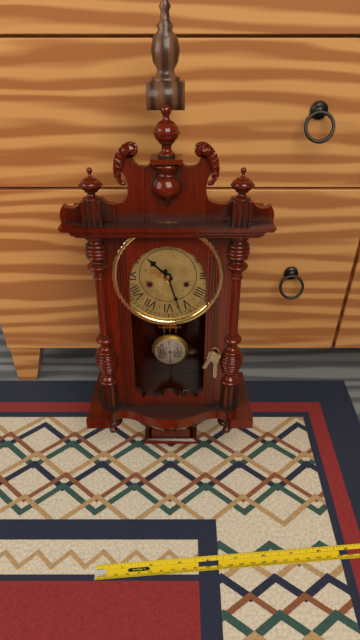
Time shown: {"hour": 10, "minute": 27}
